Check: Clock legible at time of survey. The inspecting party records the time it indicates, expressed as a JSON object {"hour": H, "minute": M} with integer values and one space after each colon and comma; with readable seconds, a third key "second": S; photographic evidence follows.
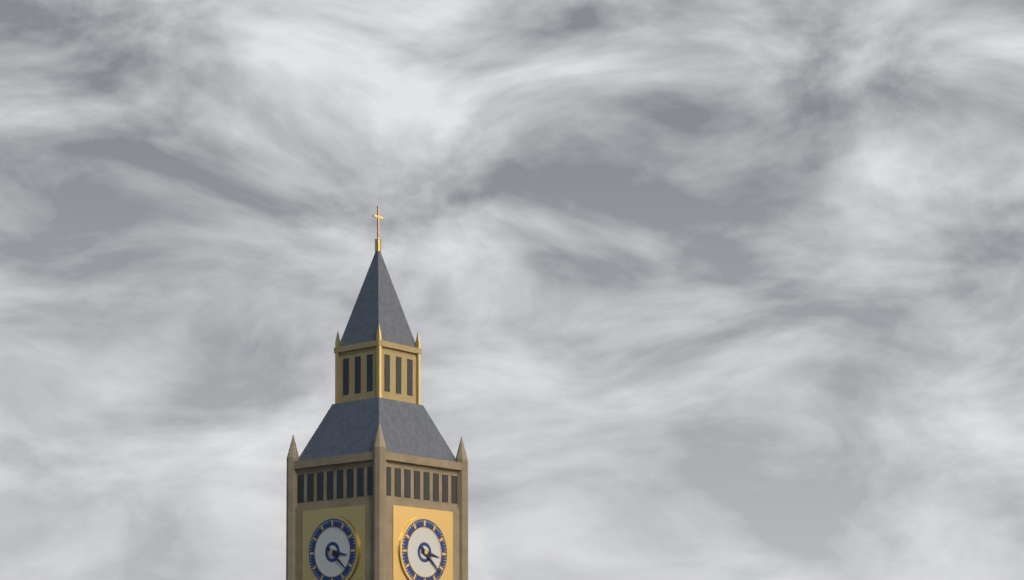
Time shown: {"hour": 3, "minute": 22}
